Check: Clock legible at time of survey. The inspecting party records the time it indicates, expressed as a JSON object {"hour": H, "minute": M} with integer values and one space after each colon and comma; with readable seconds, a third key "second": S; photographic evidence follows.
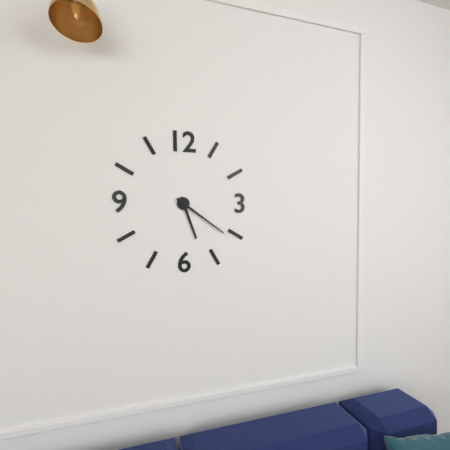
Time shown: {"hour": 5, "minute": 21}
